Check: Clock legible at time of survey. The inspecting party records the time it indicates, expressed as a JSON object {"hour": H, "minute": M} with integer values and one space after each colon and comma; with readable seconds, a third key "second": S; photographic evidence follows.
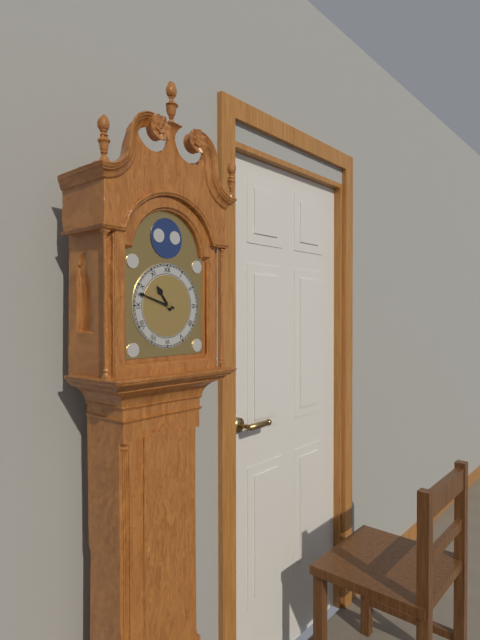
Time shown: {"hour": 10, "minute": 48}
